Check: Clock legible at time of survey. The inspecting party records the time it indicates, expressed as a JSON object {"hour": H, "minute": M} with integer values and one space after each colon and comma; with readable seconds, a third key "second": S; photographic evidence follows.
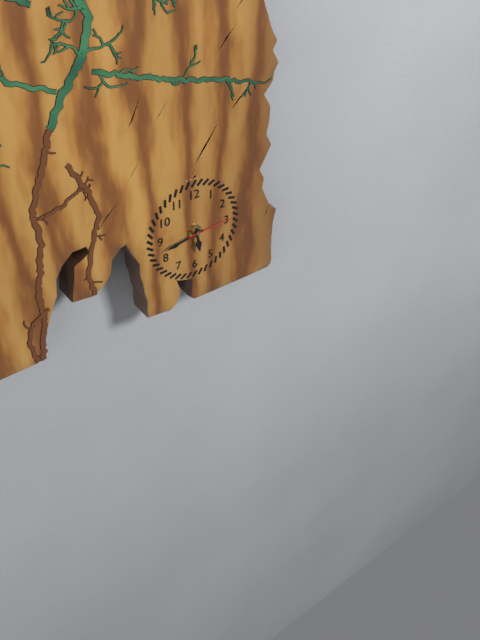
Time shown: {"hour": 5, "minute": 43}
